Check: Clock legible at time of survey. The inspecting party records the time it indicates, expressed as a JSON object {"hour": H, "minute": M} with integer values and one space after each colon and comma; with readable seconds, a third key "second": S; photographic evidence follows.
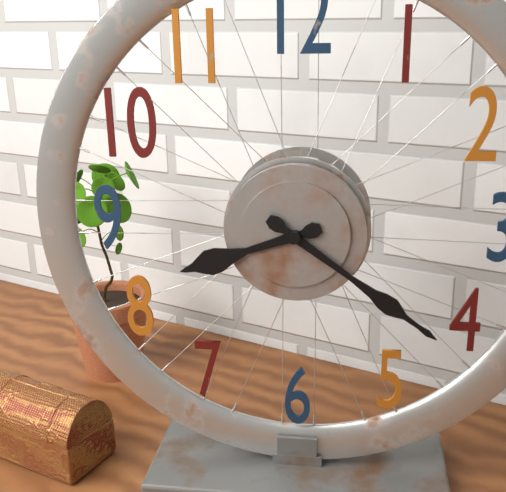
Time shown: {"hour": 8, "minute": 21}
